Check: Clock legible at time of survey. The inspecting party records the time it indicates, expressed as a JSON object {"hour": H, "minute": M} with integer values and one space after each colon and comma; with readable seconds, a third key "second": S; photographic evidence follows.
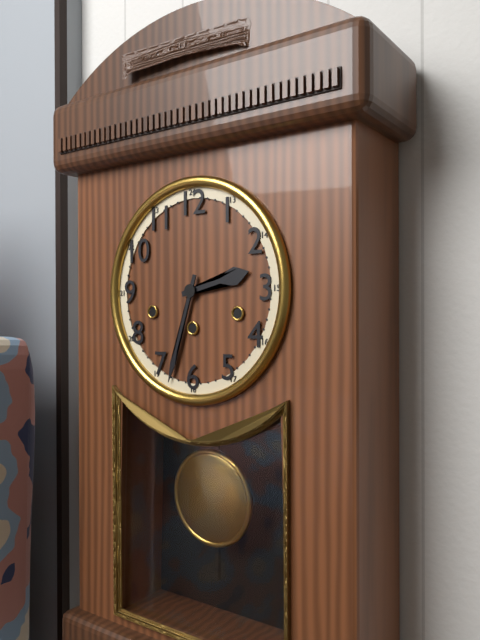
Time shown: {"hour": 2, "minute": 33}
